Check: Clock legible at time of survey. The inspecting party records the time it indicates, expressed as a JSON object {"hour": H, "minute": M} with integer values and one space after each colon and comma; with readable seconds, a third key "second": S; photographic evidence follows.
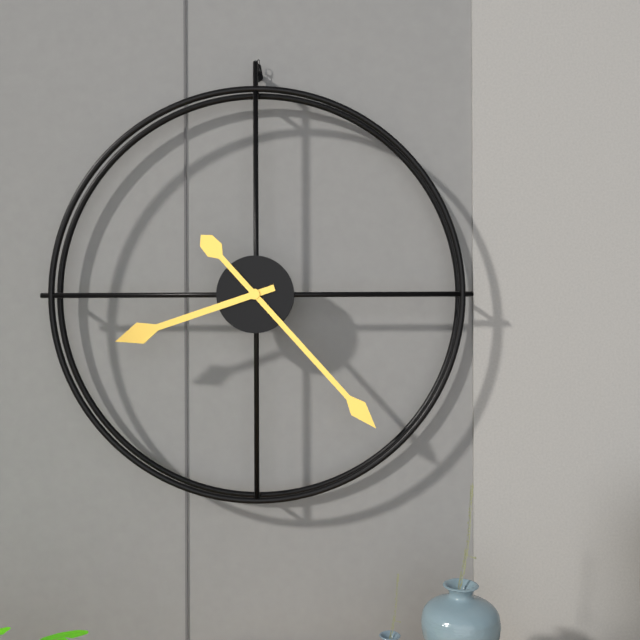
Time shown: {"hour": 8, "minute": 23}
